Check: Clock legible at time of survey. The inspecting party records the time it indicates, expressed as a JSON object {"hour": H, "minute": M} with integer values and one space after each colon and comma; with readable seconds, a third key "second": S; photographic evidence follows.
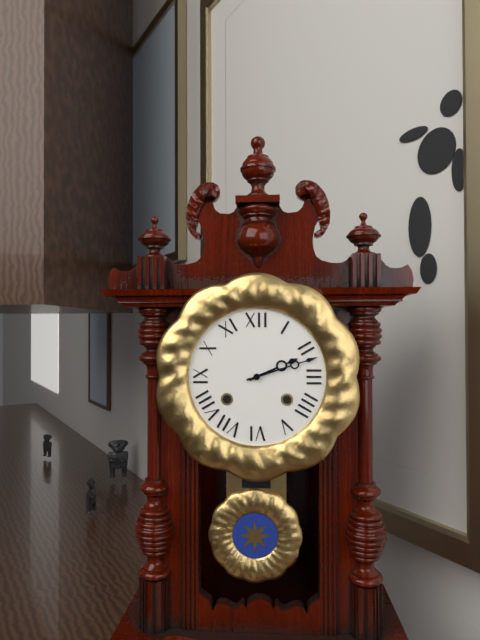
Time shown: {"hour": 2, "minute": 12}
